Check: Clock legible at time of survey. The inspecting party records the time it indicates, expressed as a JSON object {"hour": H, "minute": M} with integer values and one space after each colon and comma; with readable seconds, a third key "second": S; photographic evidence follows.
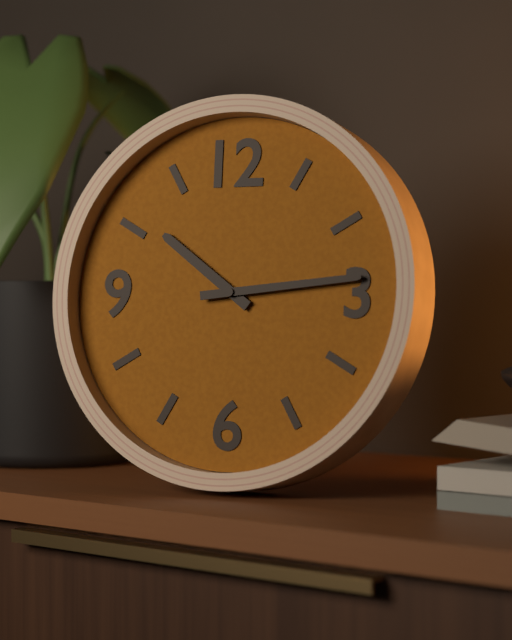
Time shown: {"hour": 10, "minute": 14}
